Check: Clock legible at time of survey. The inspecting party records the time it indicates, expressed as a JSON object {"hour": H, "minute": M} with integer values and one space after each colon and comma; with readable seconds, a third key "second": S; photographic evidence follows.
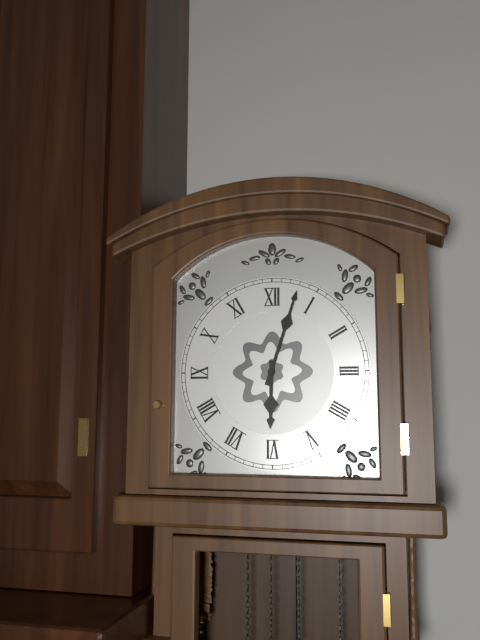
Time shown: {"hour": 6, "minute": 3}
